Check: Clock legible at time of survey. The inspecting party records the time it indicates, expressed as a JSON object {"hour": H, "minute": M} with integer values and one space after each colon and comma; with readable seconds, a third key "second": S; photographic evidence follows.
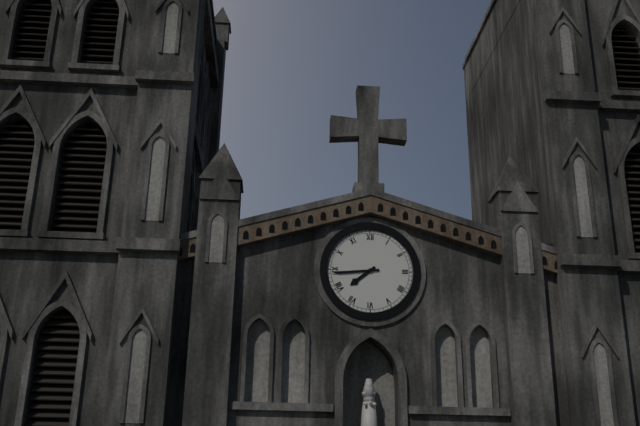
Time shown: {"hour": 7, "minute": 44}
